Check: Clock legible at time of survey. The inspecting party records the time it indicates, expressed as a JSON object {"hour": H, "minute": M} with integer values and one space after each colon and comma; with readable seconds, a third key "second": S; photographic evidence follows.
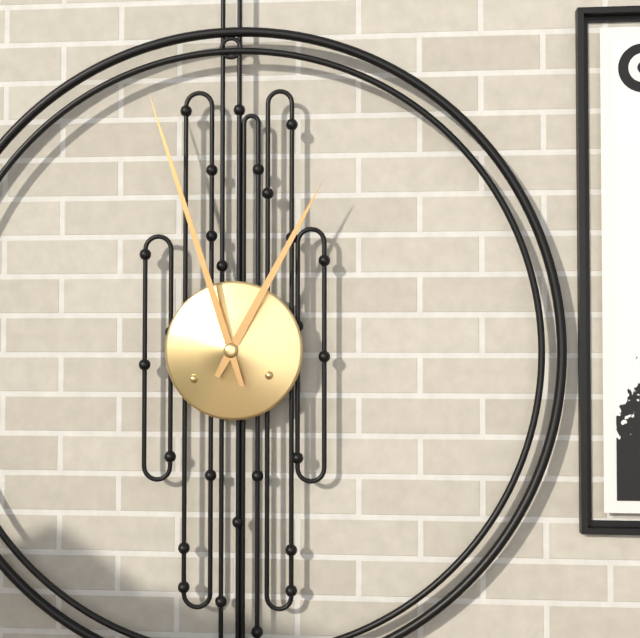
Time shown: {"hour": 12, "minute": 57}
